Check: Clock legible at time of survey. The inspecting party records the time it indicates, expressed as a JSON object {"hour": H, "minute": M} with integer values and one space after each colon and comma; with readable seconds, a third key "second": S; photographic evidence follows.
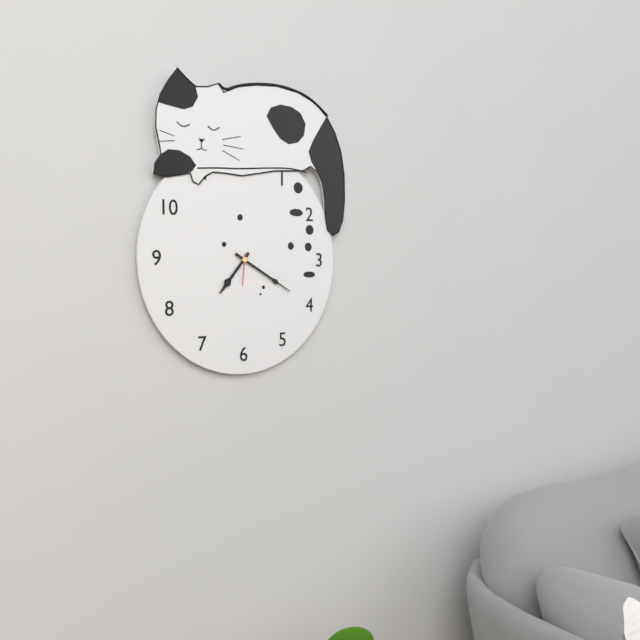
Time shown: {"hour": 7, "minute": 20}
